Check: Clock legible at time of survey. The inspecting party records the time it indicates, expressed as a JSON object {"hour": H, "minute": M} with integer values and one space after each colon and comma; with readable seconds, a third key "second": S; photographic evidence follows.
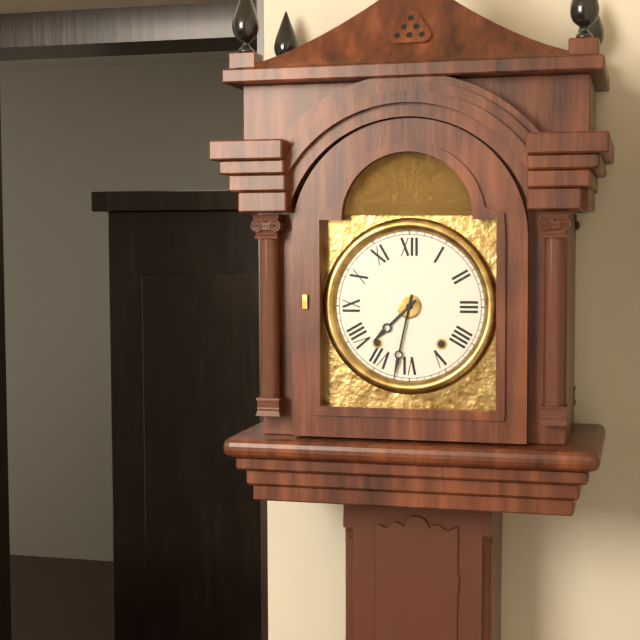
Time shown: {"hour": 7, "minute": 32}
